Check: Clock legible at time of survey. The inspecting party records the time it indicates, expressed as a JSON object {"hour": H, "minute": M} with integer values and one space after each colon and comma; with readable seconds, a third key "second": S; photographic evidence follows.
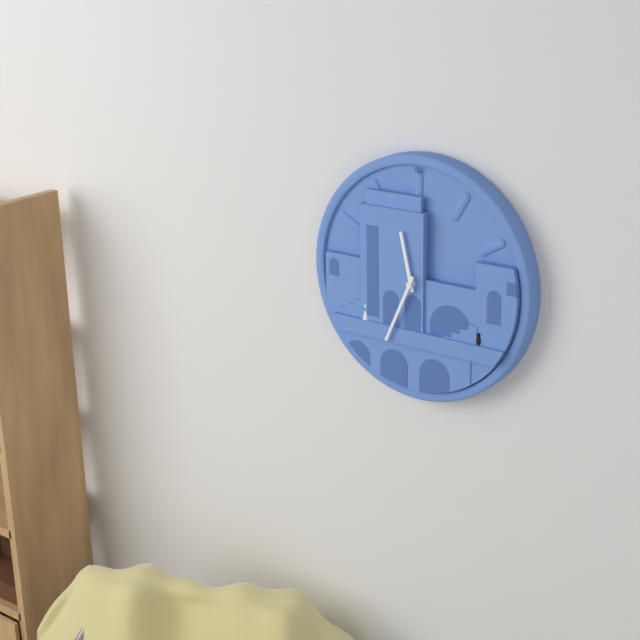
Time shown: {"hour": 11, "minute": 34}
